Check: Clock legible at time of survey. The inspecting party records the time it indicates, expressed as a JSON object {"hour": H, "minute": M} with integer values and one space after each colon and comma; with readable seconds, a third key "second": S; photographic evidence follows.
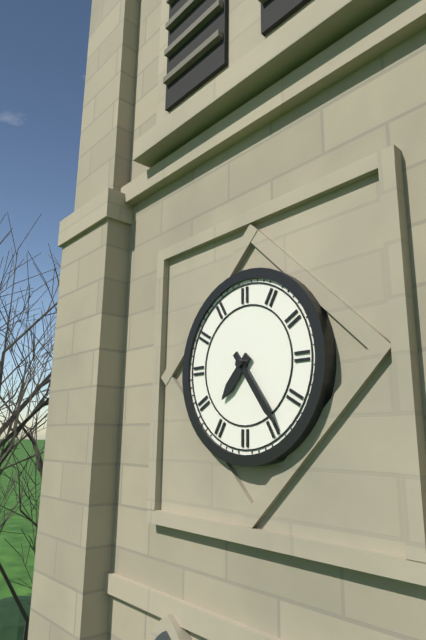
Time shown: {"hour": 7, "minute": 24}
